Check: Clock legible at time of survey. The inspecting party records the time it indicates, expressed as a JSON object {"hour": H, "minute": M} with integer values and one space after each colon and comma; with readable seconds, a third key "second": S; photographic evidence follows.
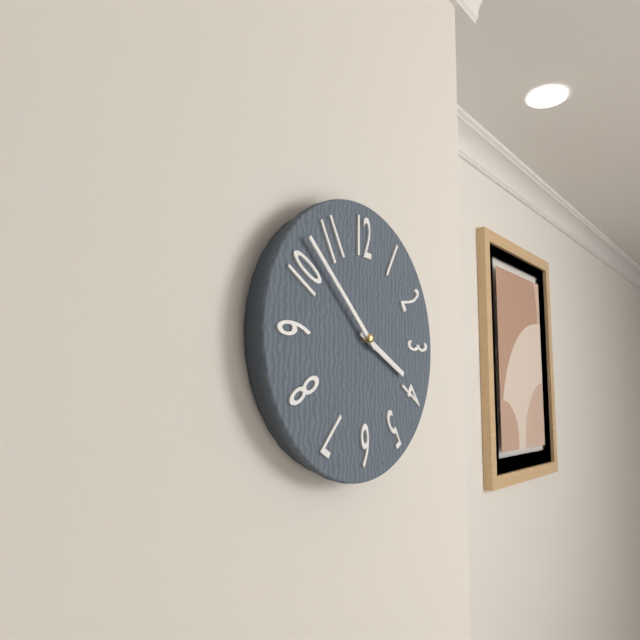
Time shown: {"hour": 3, "minute": 52}
